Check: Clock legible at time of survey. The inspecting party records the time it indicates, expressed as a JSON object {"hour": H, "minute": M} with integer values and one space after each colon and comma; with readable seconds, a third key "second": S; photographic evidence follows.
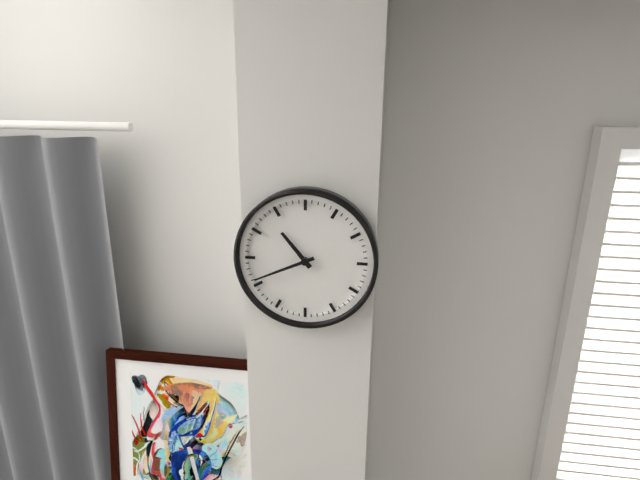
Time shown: {"hour": 10, "minute": 41}
